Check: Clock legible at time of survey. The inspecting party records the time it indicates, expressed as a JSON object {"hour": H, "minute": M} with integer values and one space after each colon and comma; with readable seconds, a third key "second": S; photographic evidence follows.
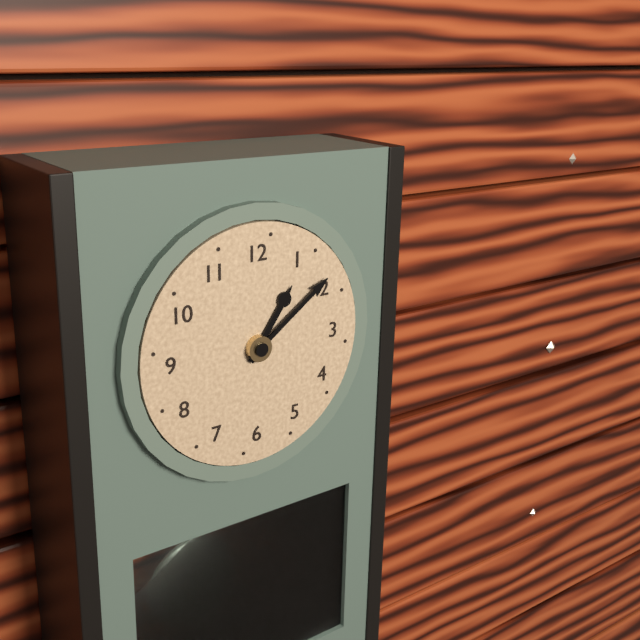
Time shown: {"hour": 1, "minute": 9}
